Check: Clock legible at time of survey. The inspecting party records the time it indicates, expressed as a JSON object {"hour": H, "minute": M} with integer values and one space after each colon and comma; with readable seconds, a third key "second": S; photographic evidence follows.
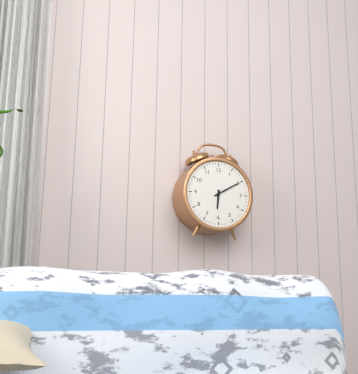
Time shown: {"hour": 6, "minute": 10}
